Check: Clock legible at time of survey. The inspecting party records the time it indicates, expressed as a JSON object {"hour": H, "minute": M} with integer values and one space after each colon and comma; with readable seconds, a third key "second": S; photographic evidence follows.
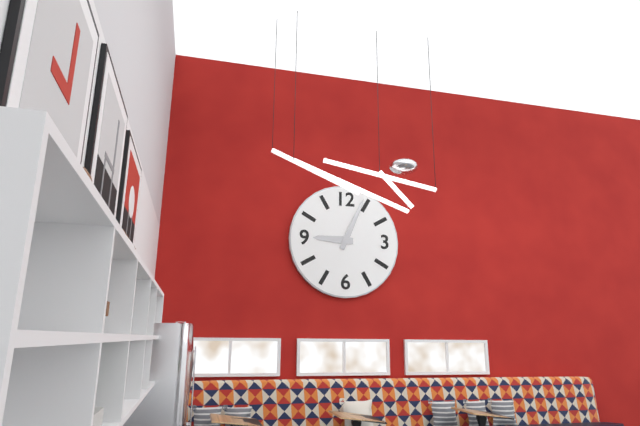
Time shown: {"hour": 9, "minute": 4}
